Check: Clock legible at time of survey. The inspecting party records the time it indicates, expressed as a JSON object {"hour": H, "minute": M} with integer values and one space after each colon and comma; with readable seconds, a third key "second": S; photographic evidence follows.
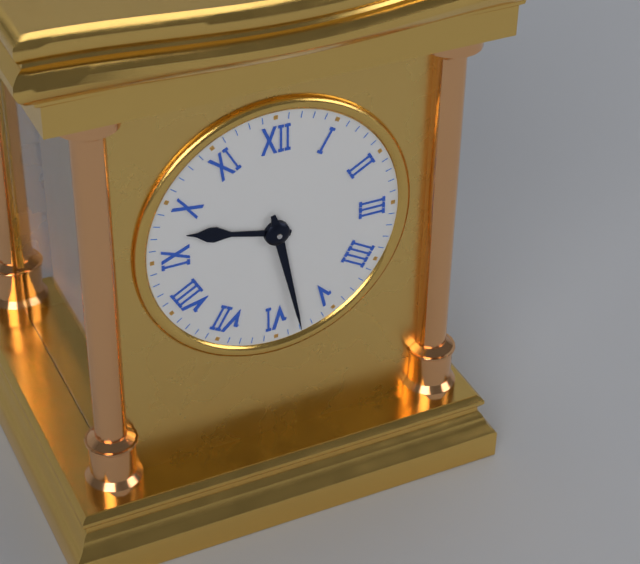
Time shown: {"hour": 9, "minute": 28}
